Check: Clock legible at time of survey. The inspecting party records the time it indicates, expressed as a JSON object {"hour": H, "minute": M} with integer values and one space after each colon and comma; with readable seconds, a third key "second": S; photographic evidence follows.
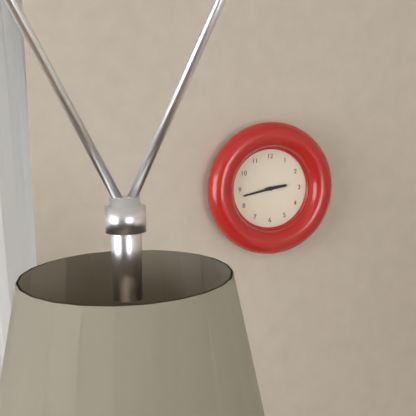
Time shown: {"hour": 2, "minute": 43}
